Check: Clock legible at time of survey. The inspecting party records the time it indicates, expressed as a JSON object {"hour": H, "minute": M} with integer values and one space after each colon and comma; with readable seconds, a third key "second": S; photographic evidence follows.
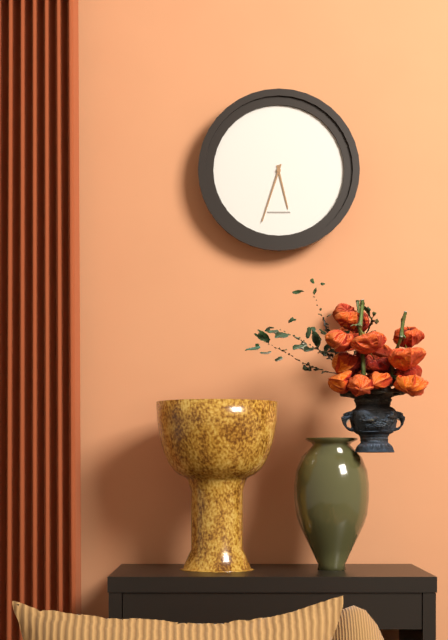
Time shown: {"hour": 5, "minute": 33}
